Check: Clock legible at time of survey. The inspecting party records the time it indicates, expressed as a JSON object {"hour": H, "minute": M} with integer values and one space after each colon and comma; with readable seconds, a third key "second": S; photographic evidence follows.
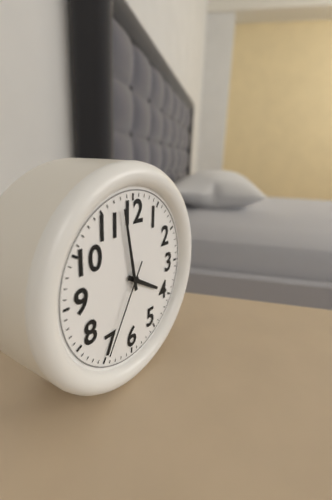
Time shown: {"hour": 3, "minute": 58, "second": 35}
